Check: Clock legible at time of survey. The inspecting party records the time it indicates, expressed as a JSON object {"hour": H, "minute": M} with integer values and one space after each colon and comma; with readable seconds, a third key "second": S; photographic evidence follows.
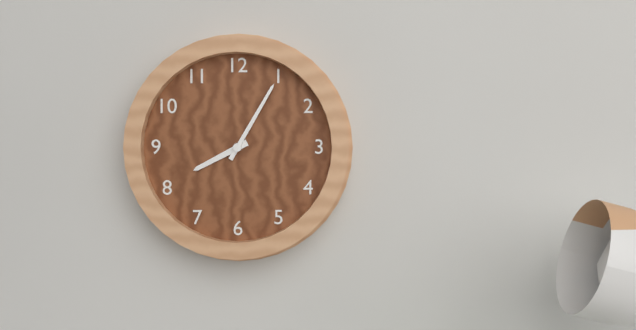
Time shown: {"hour": 8, "minute": 5}
